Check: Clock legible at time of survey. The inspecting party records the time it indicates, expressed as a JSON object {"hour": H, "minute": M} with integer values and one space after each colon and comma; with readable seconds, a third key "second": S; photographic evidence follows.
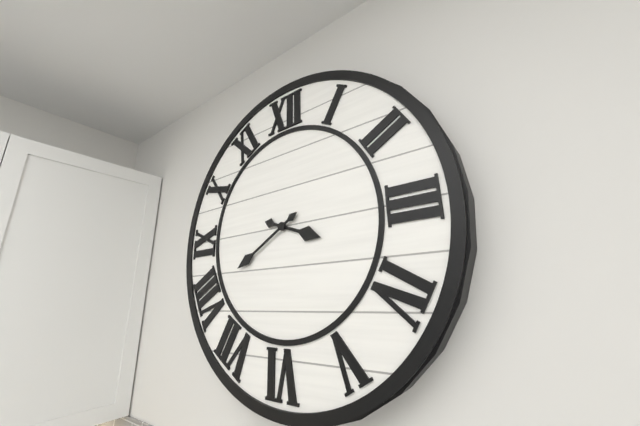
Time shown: {"hour": 3, "minute": 40}
